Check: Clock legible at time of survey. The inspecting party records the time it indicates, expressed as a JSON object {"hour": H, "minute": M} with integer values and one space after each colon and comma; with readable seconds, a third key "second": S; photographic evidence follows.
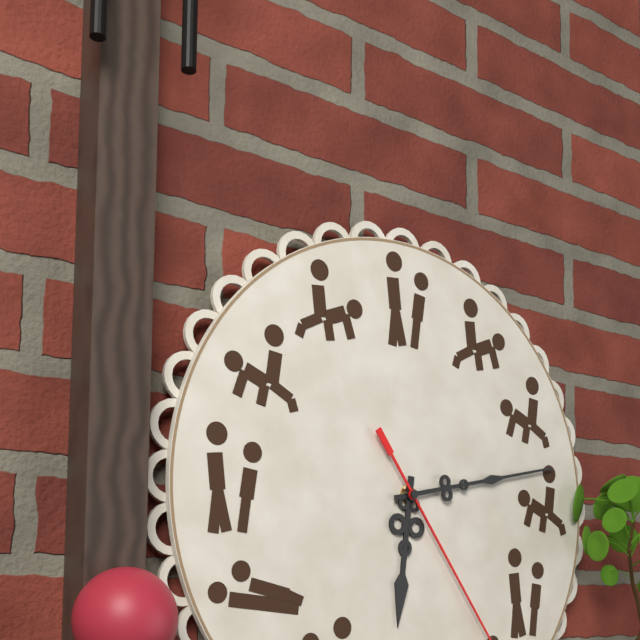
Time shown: {"hour": 6, "minute": 13}
